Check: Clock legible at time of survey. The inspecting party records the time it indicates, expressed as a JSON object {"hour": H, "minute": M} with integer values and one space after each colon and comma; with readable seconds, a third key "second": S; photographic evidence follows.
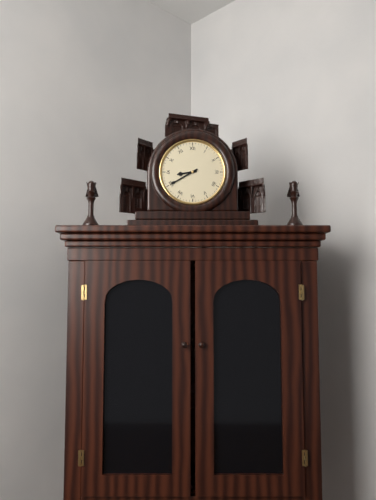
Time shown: {"hour": 8, "minute": 40}
